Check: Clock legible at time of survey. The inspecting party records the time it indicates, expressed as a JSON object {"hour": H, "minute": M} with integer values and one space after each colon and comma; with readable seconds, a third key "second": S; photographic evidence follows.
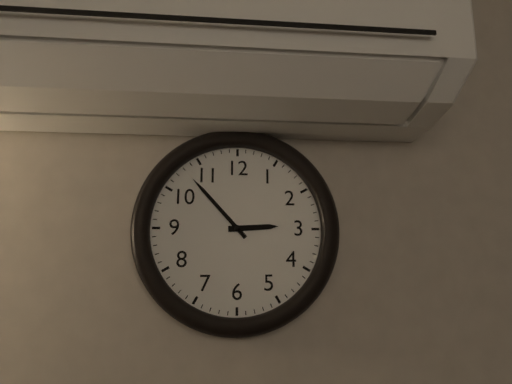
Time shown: {"hour": 2, "minute": 53}
